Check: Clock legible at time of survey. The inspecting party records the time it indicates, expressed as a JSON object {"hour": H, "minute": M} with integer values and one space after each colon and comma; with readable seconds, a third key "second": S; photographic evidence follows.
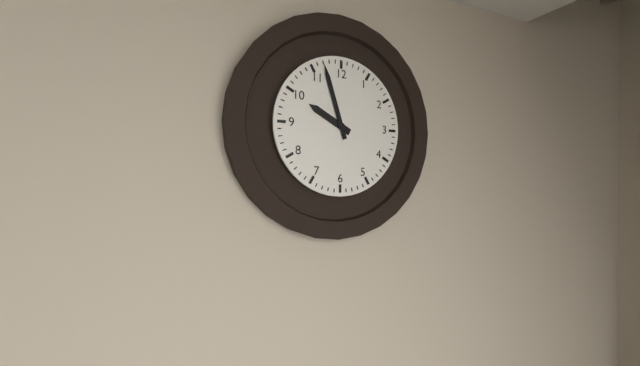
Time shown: {"hour": 9, "minute": 57}
